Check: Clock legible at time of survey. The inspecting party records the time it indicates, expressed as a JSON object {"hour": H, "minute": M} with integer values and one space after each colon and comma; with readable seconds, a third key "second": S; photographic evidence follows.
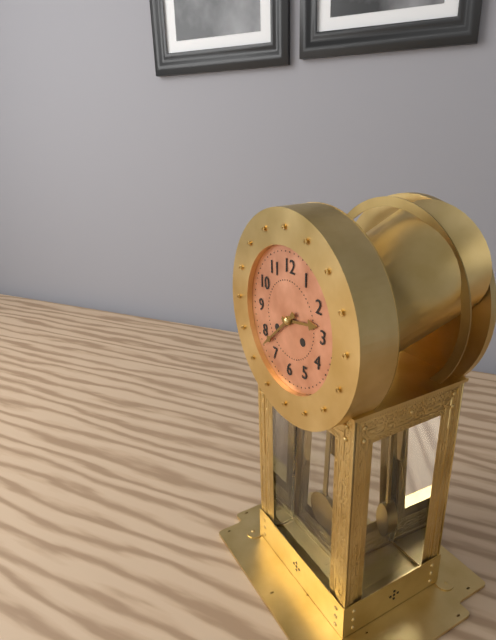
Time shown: {"hour": 2, "minute": 38}
